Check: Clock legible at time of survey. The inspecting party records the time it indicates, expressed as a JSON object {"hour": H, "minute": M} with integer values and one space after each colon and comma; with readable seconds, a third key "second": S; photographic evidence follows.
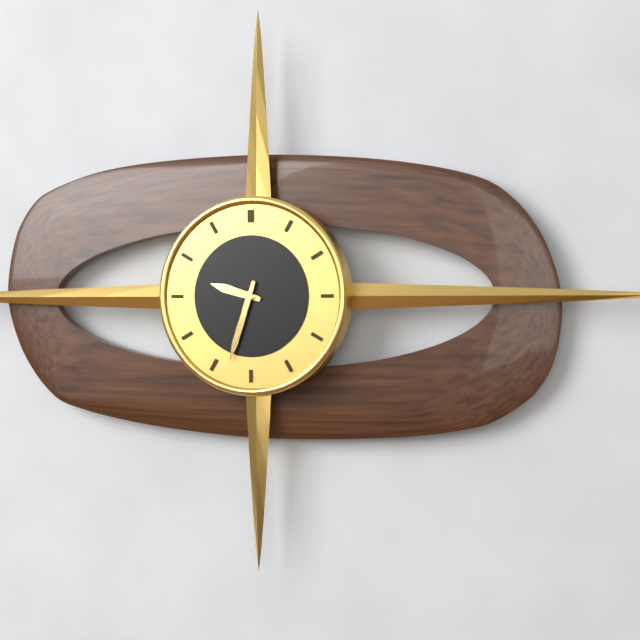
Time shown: {"hour": 9, "minute": 33}
